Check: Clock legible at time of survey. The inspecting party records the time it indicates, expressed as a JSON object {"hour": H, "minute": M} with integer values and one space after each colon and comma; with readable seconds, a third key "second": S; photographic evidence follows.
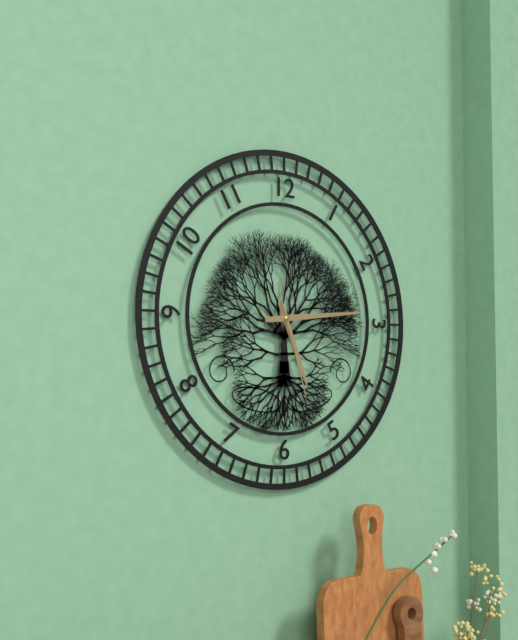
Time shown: {"hour": 5, "minute": 14, "second": 27}
